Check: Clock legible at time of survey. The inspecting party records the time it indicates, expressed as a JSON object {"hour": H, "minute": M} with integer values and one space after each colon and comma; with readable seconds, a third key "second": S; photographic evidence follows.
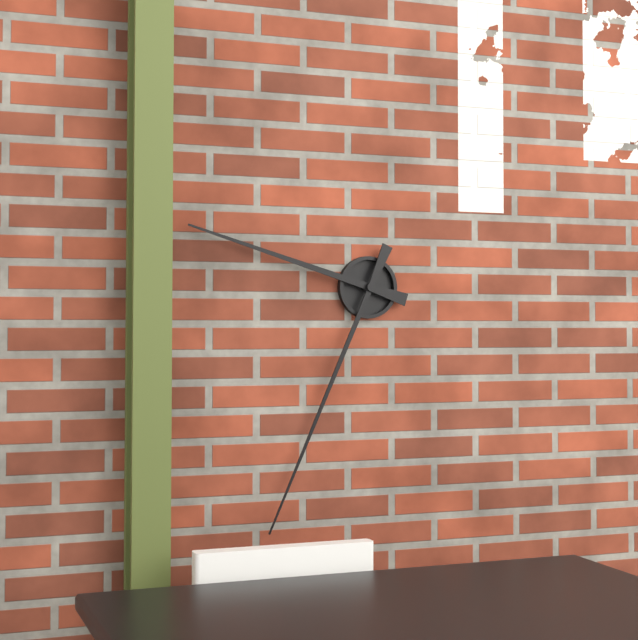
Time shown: {"hour": 9, "minute": 34}
